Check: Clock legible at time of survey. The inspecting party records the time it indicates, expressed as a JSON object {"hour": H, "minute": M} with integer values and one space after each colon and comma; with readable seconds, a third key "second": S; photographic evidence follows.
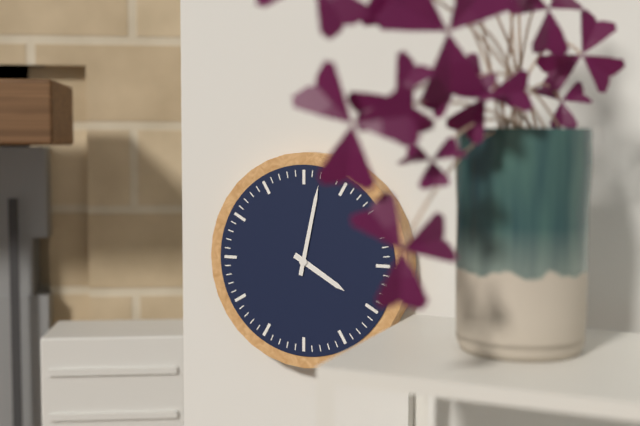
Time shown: {"hour": 4, "minute": 2}
